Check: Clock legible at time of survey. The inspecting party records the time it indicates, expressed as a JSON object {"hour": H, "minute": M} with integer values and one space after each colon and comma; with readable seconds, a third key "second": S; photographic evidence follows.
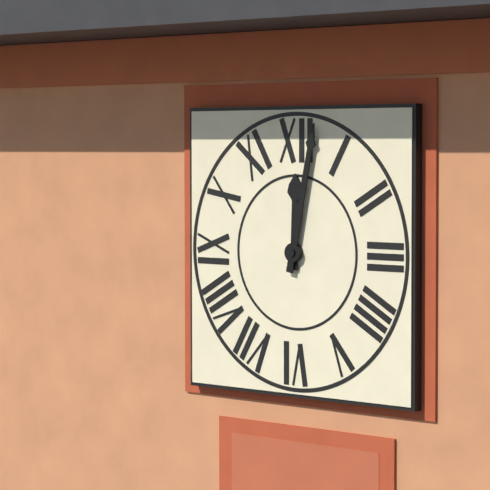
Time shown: {"hour": 12, "minute": 2}
